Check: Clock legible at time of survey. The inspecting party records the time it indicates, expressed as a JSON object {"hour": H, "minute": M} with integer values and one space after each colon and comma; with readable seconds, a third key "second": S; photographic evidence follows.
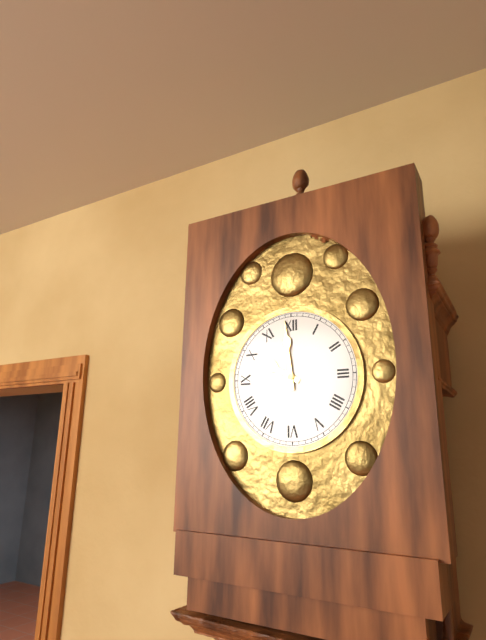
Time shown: {"hour": 9, "minute": 59}
